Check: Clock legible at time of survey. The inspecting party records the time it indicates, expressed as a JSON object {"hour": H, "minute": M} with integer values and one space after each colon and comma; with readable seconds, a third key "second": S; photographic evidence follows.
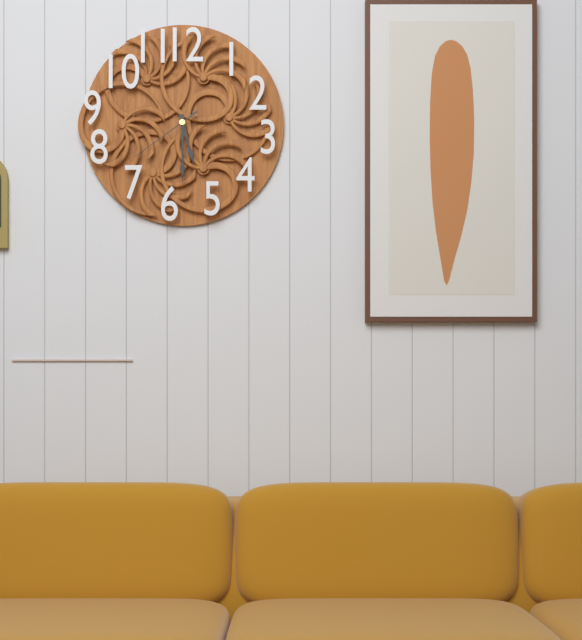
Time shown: {"hour": 5, "minute": 30, "second": 39}
